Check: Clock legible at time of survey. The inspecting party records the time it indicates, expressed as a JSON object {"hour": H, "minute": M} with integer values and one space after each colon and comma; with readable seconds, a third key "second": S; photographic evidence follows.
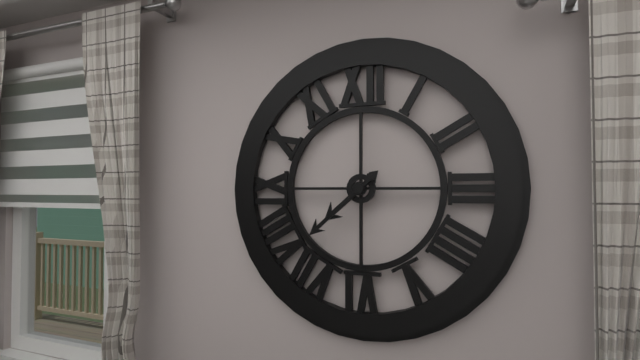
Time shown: {"hour": 7, "minute": 38}
